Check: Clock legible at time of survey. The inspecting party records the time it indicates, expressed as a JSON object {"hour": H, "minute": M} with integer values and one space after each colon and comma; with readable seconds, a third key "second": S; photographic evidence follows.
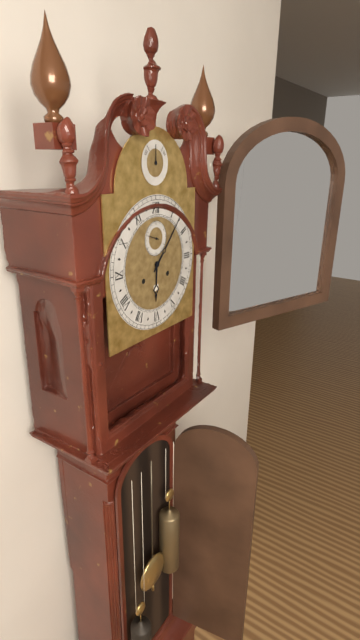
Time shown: {"hour": 6, "minute": 7}
